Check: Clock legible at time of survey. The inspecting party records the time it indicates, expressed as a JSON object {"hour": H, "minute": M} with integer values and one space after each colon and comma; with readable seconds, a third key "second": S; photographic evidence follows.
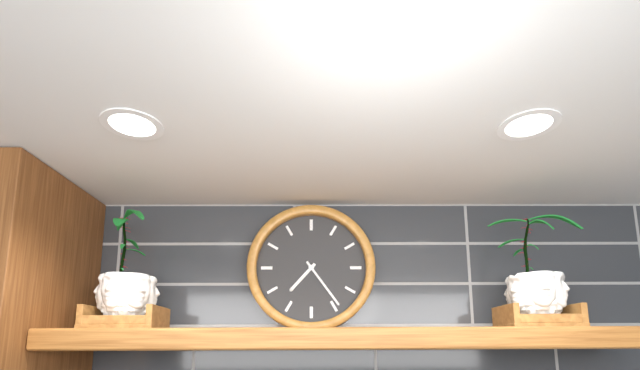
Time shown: {"hour": 7, "minute": 24}
